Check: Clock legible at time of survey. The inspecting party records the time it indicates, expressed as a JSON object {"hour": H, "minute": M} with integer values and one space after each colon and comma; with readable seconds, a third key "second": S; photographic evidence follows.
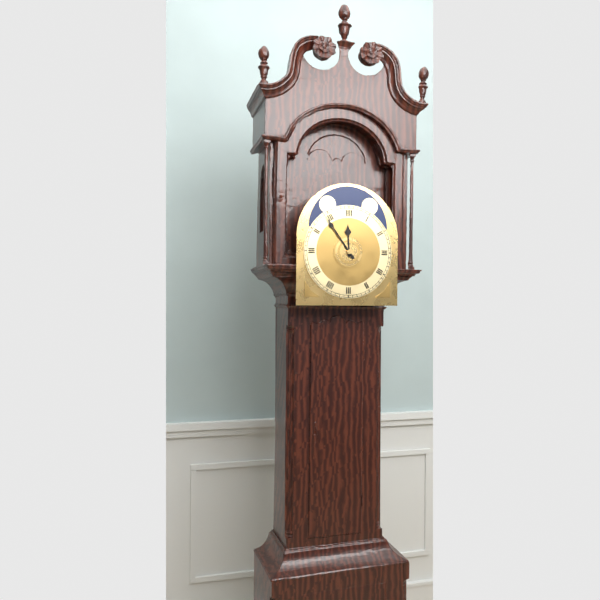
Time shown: {"hour": 11, "minute": 54}
